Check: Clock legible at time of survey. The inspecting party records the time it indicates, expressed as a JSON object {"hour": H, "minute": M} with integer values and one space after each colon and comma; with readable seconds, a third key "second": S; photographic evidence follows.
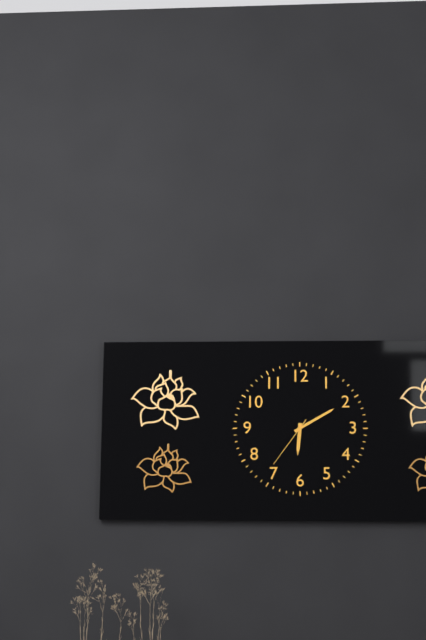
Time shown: {"hour": 6, "minute": 10, "second": 36}
